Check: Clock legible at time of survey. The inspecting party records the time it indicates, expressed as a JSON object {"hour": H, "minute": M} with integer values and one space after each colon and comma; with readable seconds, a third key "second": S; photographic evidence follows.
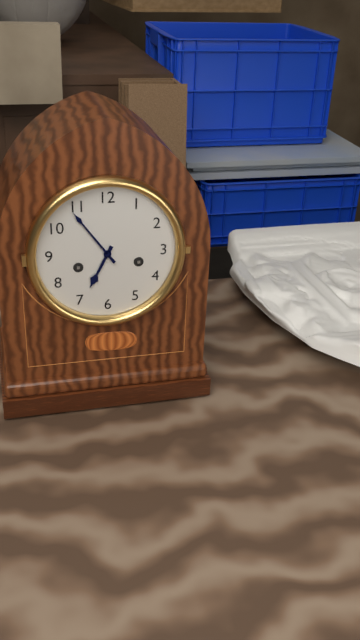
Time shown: {"hour": 6, "minute": 54}
